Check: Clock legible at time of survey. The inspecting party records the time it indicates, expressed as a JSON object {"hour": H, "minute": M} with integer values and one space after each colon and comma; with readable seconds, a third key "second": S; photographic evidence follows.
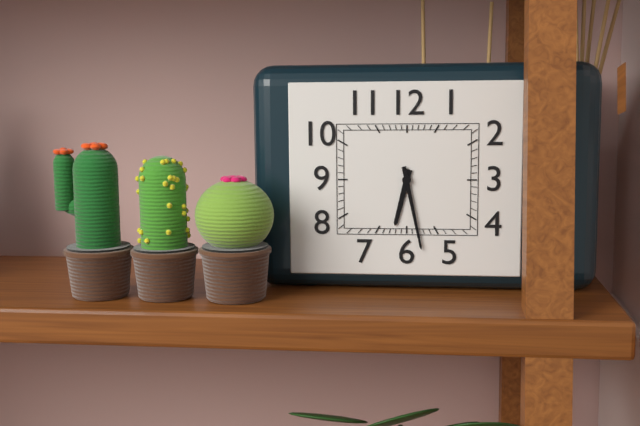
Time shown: {"hour": 6, "minute": 28}
